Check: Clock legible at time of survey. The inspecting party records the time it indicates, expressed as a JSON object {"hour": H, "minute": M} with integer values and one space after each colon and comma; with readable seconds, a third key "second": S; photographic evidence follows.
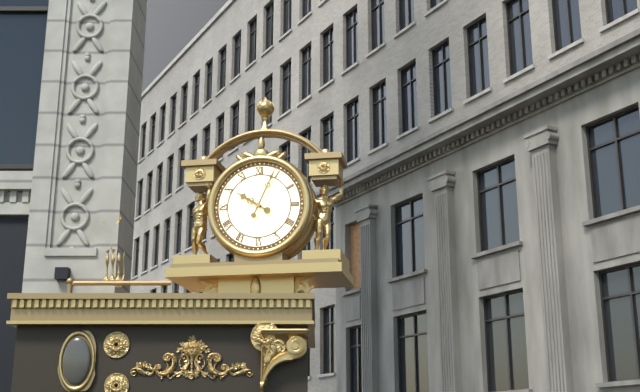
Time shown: {"hour": 10, "minute": 4}
